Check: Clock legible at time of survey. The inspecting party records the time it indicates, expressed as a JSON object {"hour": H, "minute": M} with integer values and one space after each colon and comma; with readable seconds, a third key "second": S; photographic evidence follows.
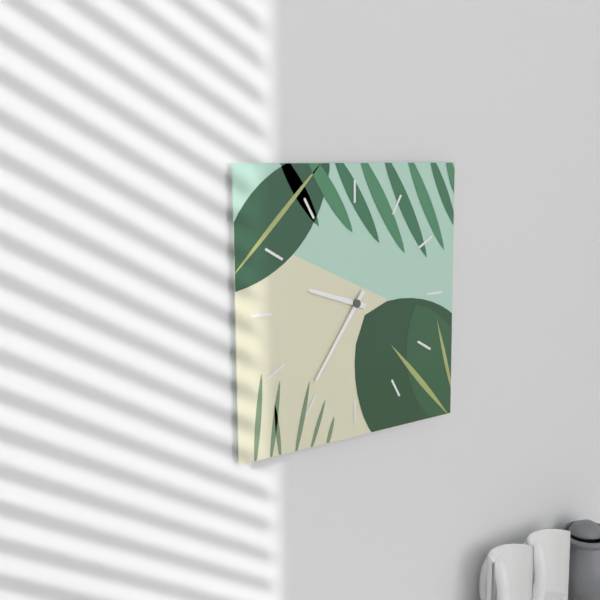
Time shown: {"hour": 9, "minute": 36}
